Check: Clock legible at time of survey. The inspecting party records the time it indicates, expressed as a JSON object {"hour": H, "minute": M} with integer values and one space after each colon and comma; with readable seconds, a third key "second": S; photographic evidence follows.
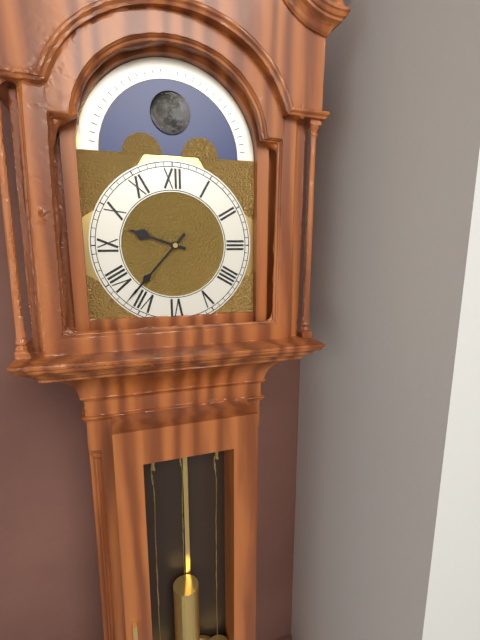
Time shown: {"hour": 9, "minute": 37}
